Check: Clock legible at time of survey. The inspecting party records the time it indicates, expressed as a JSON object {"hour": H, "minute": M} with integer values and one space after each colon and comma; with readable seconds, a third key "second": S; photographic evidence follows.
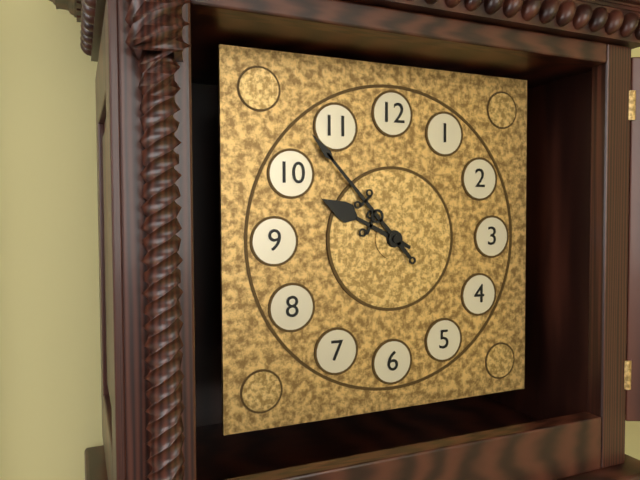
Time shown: {"hour": 9, "minute": 53}
